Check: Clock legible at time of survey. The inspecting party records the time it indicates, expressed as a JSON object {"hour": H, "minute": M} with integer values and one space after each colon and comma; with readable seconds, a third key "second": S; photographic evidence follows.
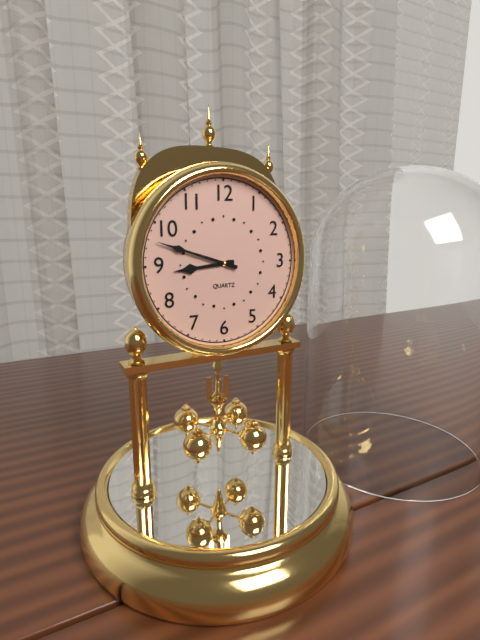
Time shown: {"hour": 8, "minute": 48}
